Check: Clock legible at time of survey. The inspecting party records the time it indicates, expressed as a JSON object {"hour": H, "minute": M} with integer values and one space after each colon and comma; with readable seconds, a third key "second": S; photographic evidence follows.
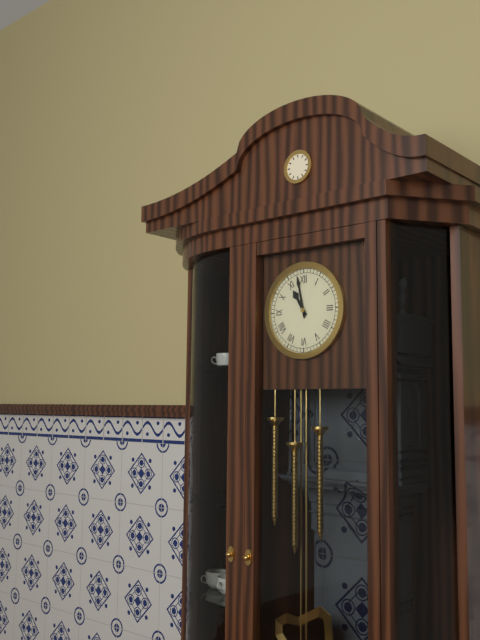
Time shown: {"hour": 10, "minute": 58}
